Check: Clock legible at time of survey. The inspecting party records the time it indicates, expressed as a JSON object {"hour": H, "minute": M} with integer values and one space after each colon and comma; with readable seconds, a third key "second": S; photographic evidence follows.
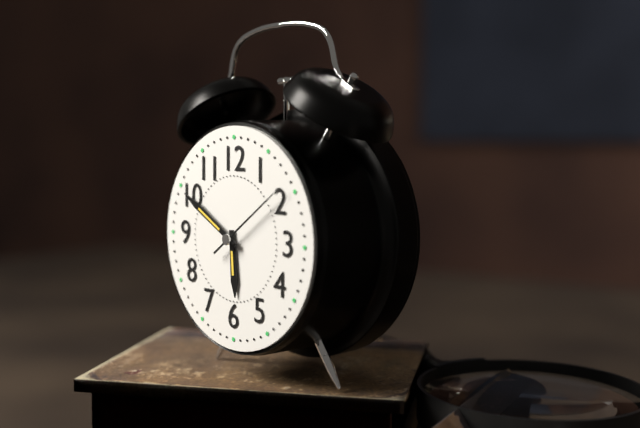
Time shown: {"hour": 5, "minute": 50, "second": 9}
